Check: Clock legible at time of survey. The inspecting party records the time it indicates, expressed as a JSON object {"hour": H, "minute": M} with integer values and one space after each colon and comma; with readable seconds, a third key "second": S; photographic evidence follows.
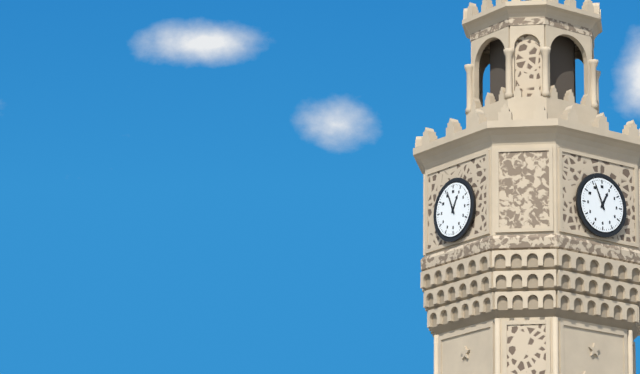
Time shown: {"hour": 12, "minute": 56}
